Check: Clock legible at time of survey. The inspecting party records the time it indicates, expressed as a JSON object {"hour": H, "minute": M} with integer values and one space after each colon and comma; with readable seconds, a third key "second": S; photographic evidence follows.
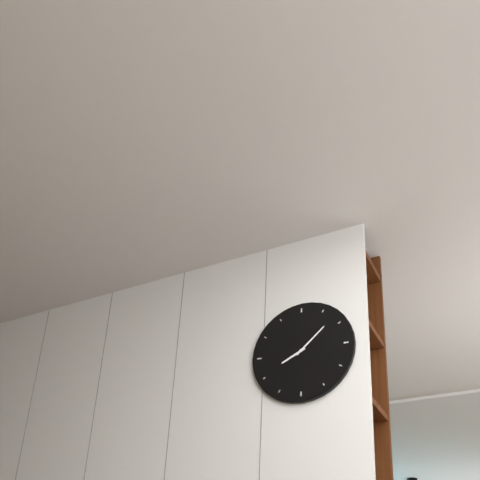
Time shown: {"hour": 8, "minute": 8}
